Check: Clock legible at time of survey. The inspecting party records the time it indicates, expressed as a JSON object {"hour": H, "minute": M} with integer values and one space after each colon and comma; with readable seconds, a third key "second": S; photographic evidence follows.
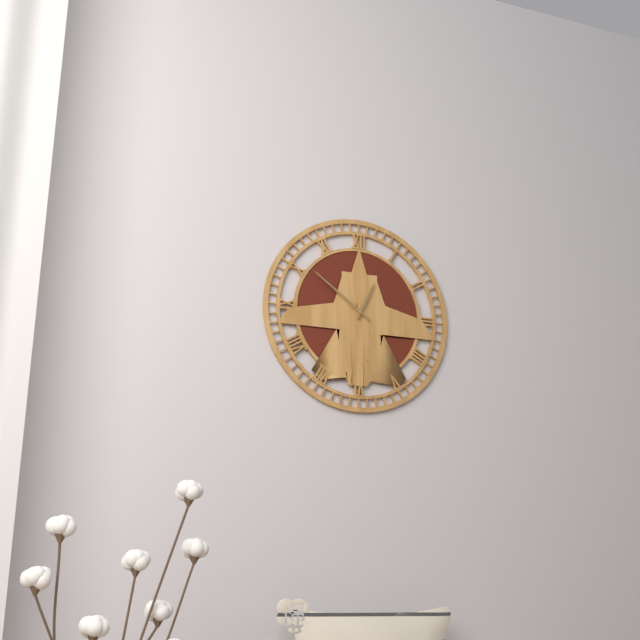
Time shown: {"hour": 12, "minute": 51}
